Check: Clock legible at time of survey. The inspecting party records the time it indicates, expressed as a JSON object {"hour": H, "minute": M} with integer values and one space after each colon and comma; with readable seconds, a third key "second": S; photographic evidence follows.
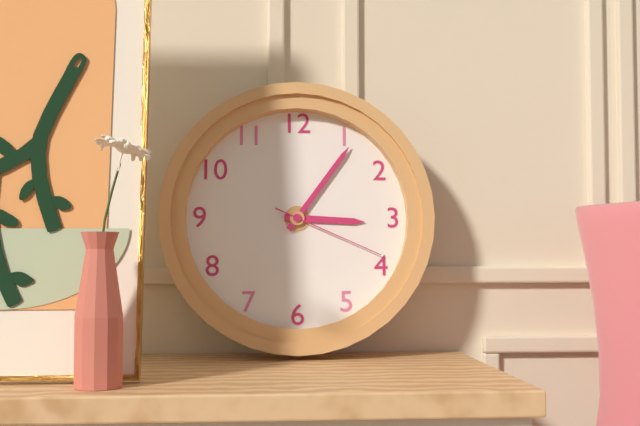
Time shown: {"hour": 3, "minute": 6, "second": 19}
